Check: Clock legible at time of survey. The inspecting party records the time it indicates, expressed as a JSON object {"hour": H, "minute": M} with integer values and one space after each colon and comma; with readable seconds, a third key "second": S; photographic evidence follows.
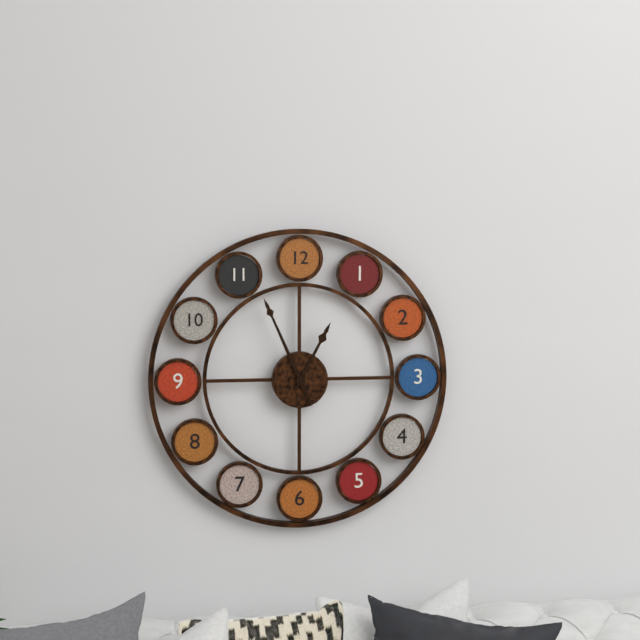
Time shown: {"hour": 12, "minute": 56}
